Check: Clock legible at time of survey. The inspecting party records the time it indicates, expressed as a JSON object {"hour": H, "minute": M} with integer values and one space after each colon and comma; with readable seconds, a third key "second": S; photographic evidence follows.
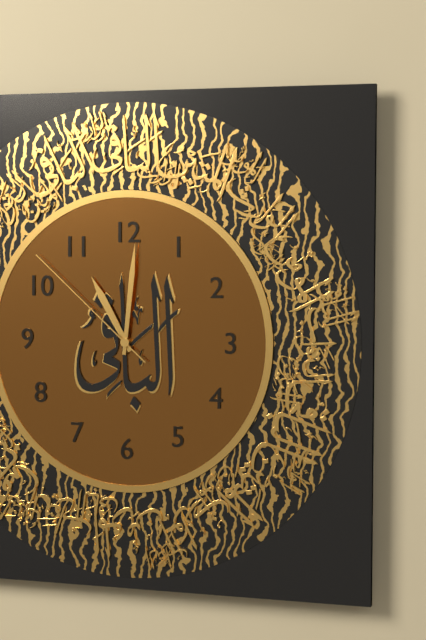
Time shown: {"hour": 11, "minute": 1, "second": 52}
